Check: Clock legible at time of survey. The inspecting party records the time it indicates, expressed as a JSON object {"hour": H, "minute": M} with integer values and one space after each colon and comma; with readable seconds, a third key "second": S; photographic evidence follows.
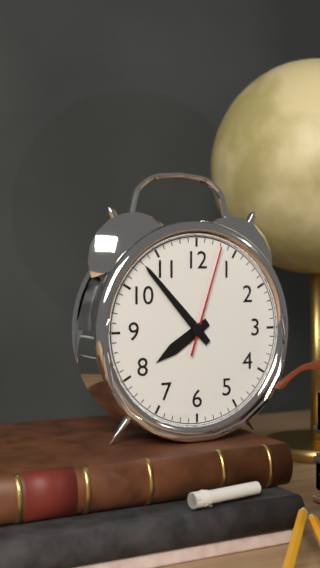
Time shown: {"hour": 7, "minute": 53, "second": 3}
